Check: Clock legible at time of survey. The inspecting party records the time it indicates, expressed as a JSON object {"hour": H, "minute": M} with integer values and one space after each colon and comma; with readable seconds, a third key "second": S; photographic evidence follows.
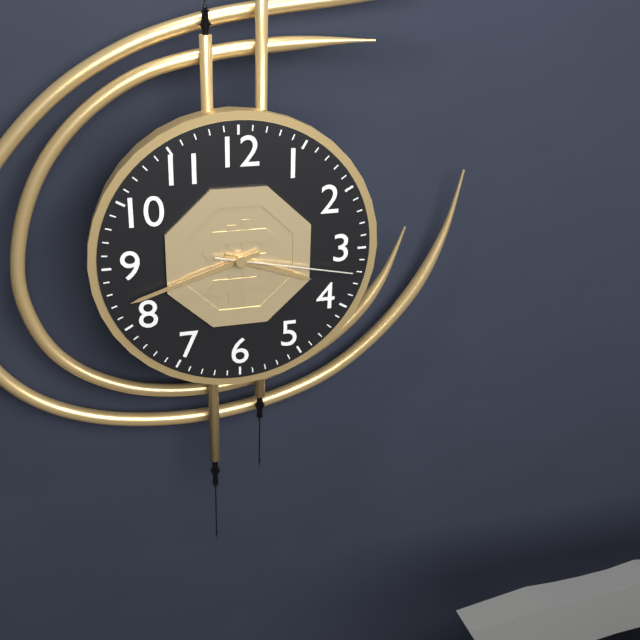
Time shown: {"hour": 3, "minute": 42, "second": 17}
